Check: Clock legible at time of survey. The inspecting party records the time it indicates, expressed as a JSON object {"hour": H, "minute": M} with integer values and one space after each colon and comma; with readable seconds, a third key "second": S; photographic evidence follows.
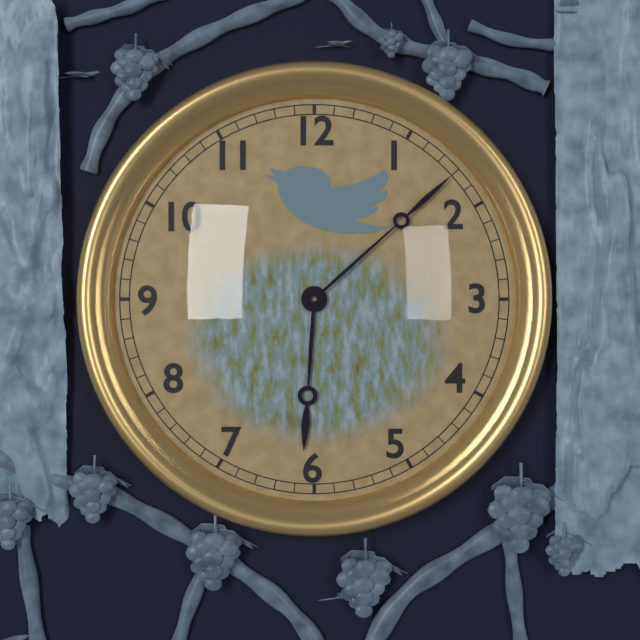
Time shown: {"hour": 6, "minute": 8}
